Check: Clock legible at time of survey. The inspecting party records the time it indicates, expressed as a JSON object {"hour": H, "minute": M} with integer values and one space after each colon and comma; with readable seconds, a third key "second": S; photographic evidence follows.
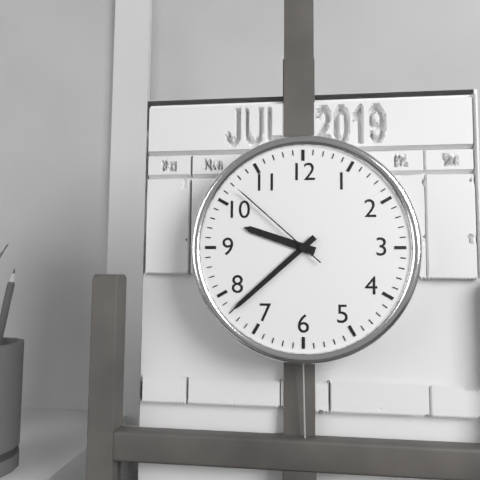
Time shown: {"hour": 9, "minute": 38, "second": 52}
